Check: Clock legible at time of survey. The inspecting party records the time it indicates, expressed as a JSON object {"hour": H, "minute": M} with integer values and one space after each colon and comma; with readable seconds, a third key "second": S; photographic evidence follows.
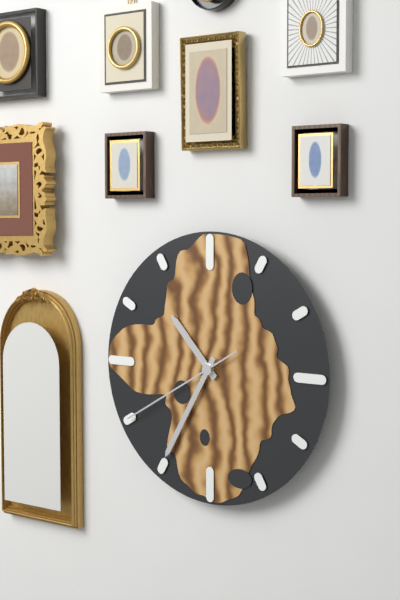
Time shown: {"hour": 10, "minute": 35, "second": 40}
